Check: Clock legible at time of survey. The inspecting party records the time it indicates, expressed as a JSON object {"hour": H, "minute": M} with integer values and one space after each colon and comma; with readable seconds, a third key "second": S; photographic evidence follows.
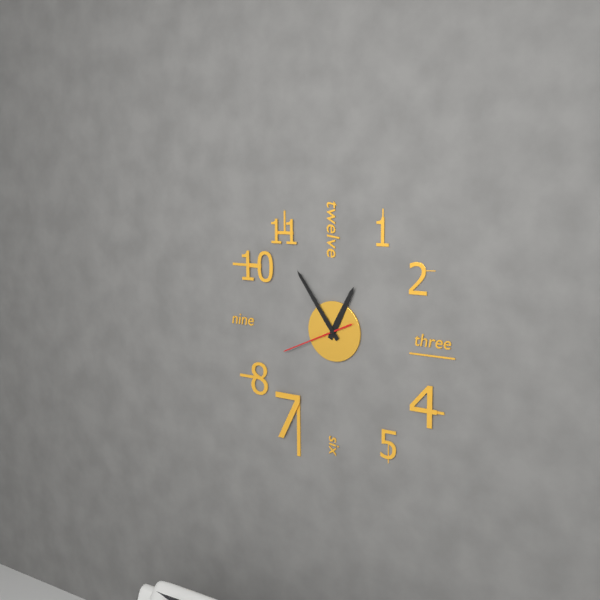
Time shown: {"hour": 12, "minute": 54, "second": 41}
